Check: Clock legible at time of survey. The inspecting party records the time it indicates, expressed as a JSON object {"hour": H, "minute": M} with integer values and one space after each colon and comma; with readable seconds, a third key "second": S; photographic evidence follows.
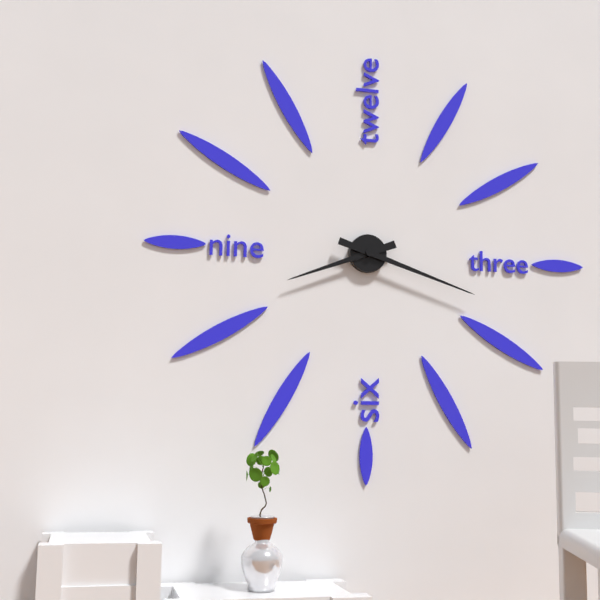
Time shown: {"hour": 8, "minute": 18}
